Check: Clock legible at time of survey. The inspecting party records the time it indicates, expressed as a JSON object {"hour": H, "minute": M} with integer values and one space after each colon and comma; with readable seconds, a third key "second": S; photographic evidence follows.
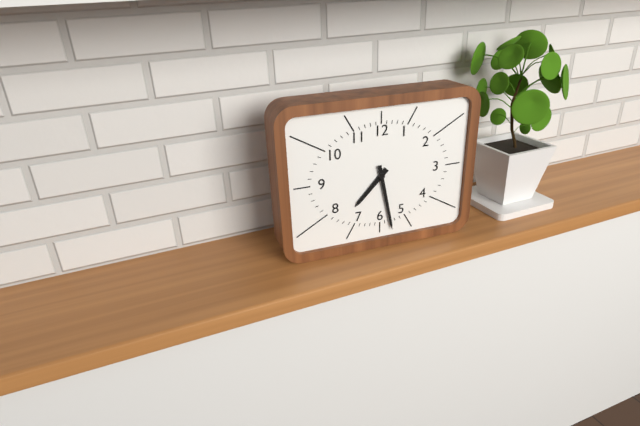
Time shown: {"hour": 7, "minute": 28}
